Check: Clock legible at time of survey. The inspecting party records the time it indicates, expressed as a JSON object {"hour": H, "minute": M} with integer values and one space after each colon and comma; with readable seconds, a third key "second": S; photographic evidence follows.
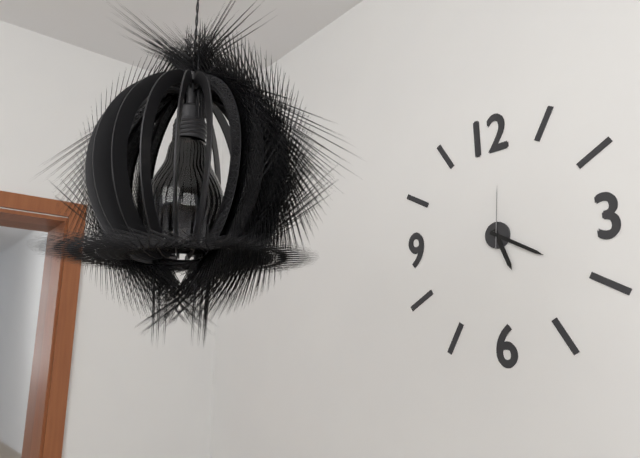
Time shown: {"hour": 5, "minute": 20, "second": 1}
